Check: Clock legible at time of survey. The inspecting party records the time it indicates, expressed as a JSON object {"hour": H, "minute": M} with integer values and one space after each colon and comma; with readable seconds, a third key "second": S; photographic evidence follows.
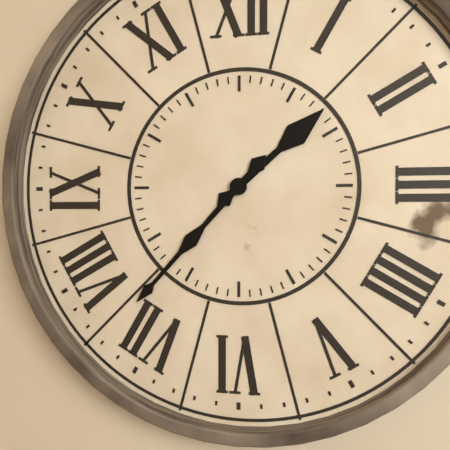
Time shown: {"hour": 1, "minute": 37}
